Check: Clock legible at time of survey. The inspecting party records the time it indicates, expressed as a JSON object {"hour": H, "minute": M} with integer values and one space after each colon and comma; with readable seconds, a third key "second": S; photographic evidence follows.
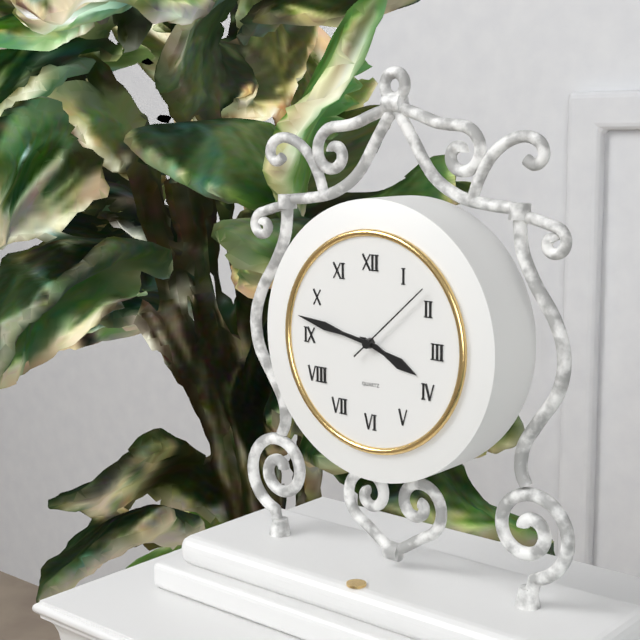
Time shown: {"hour": 3, "minute": 47, "second": 8}
